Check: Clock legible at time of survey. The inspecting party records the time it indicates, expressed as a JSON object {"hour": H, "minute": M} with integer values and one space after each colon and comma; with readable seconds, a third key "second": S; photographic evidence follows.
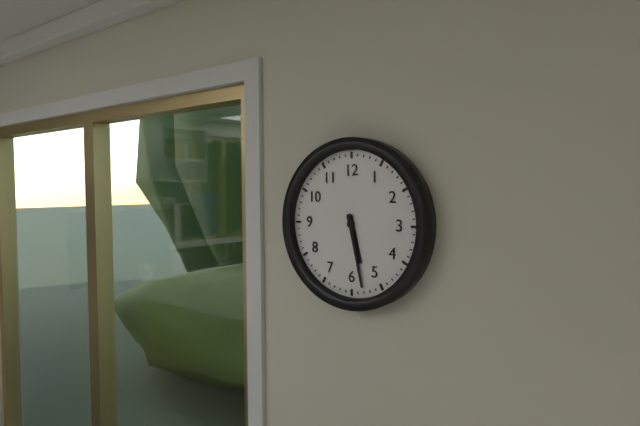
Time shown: {"hour": 5, "minute": 28}
